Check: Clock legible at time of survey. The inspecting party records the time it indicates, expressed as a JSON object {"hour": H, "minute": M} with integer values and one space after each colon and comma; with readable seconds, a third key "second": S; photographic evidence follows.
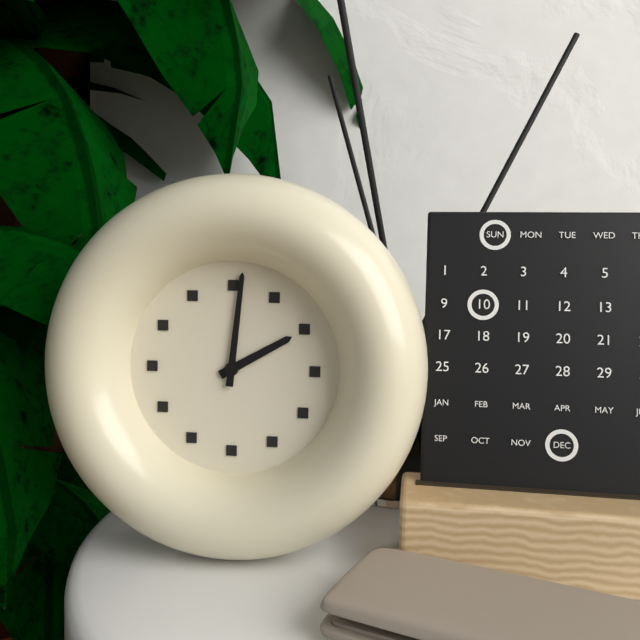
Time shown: {"hour": 2, "minute": 1}
